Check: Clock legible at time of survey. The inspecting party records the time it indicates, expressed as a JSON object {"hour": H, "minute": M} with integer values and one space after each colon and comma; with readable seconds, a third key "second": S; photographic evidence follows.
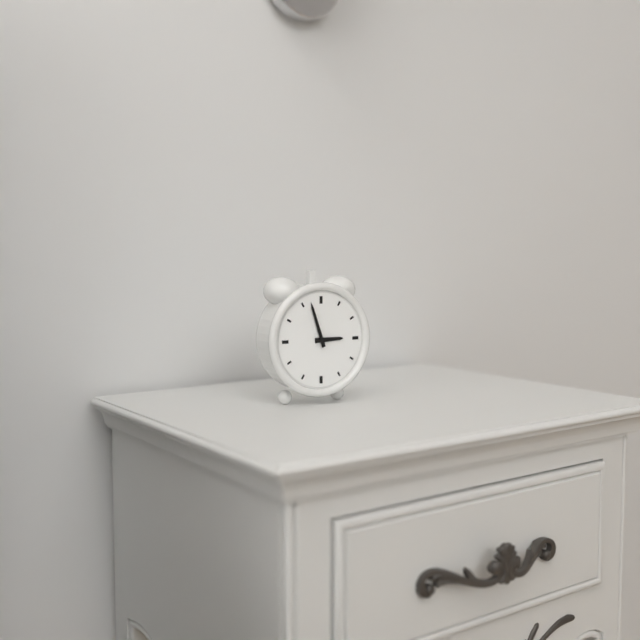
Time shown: {"hour": 2, "minute": 57}
